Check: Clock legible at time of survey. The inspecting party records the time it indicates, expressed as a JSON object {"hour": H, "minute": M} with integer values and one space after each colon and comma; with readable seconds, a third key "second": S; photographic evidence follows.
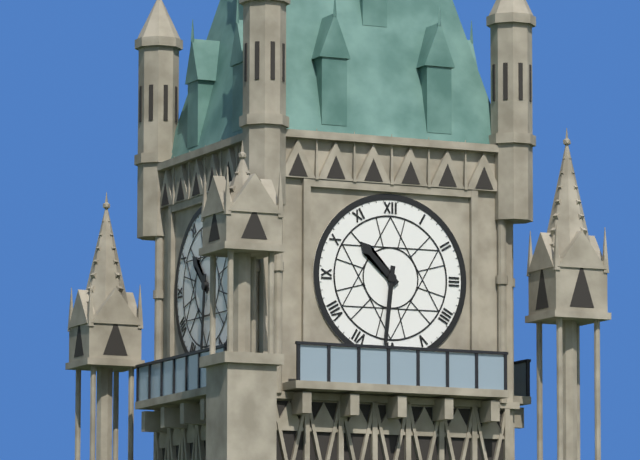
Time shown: {"hour": 10, "minute": 31}
